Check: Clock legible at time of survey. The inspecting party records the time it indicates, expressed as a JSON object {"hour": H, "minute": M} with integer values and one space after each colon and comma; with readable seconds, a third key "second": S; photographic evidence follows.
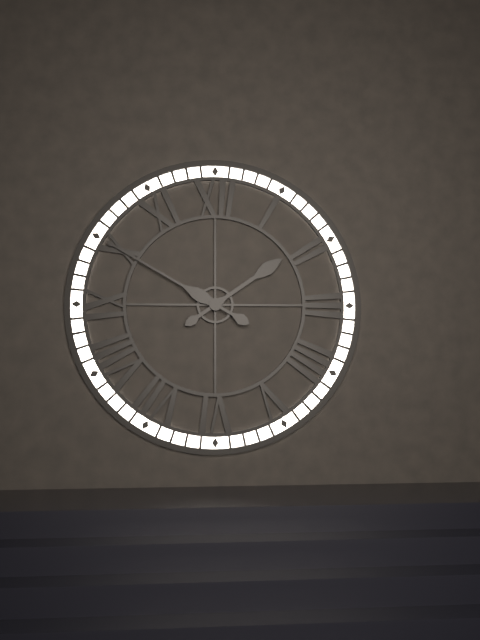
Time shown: {"hour": 1, "minute": 50}
